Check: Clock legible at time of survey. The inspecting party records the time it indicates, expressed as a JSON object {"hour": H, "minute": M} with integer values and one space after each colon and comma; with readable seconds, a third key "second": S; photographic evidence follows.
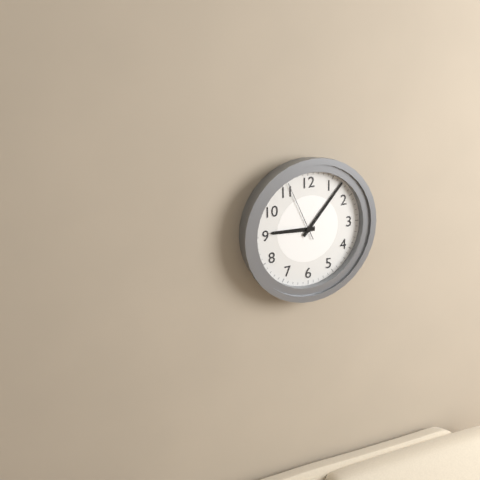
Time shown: {"hour": 9, "minute": 7, "second": 56}
